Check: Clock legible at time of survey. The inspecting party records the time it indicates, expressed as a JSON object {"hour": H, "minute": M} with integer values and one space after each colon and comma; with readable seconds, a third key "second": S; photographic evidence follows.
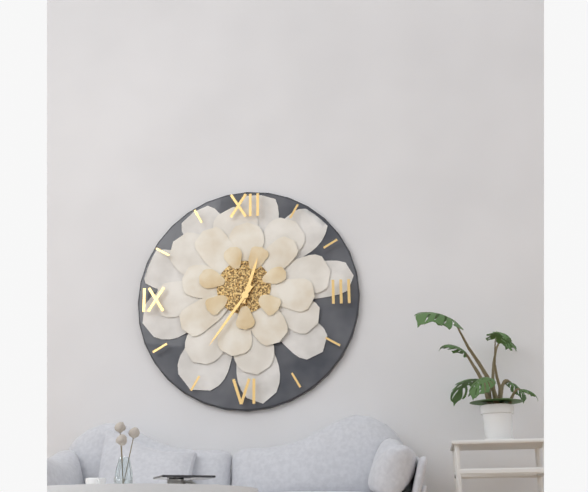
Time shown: {"hour": 12, "minute": 36}
